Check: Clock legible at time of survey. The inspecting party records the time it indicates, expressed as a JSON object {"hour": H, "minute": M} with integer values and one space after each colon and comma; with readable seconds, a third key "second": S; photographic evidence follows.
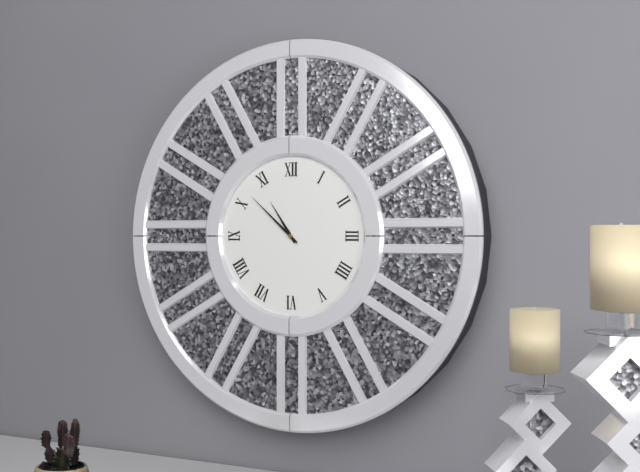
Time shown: {"hour": 10, "minute": 52}
